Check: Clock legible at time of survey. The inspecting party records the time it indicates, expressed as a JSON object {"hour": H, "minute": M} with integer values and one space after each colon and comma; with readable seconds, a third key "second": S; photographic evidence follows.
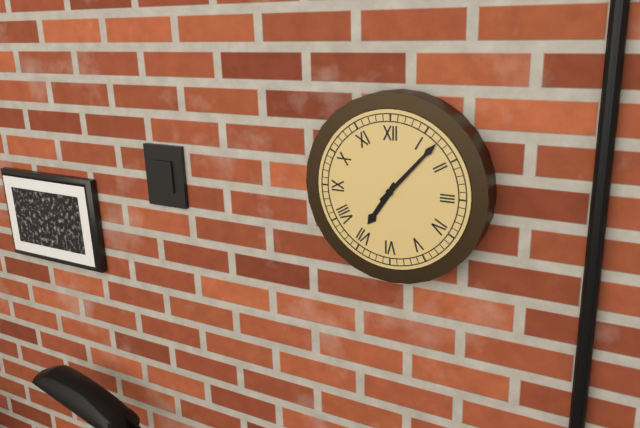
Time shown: {"hour": 7, "minute": 7}
